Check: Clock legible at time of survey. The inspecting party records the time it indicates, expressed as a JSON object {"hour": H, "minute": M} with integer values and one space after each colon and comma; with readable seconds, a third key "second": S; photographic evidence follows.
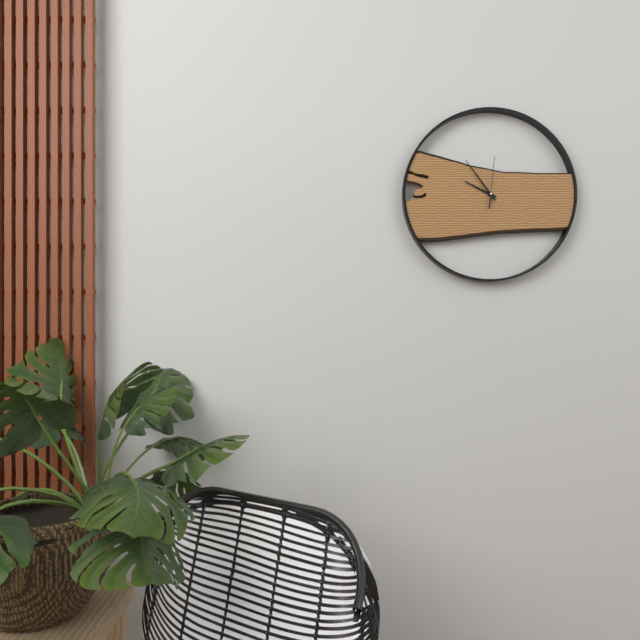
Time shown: {"hour": 9, "minute": 54}
